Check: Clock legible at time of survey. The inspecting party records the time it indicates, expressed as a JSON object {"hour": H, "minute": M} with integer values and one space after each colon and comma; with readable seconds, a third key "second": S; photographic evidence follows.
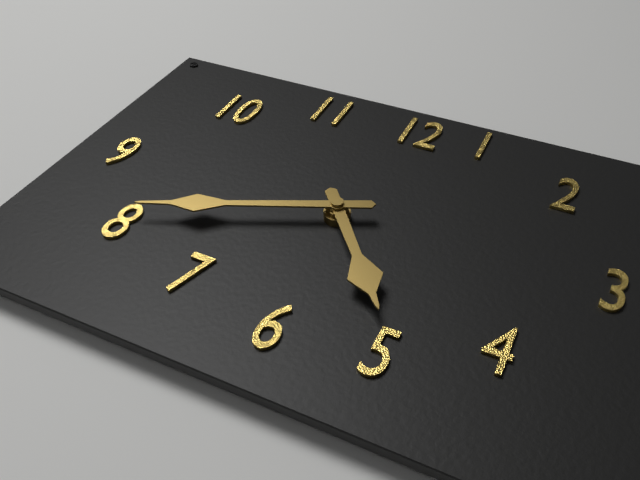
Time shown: {"hour": 4, "minute": 41}
